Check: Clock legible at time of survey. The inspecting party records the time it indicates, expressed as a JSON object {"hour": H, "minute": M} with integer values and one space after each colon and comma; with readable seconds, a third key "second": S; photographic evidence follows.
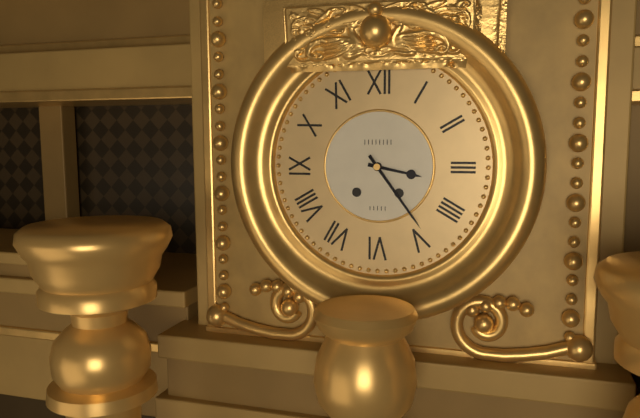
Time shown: {"hour": 3, "minute": 24}
